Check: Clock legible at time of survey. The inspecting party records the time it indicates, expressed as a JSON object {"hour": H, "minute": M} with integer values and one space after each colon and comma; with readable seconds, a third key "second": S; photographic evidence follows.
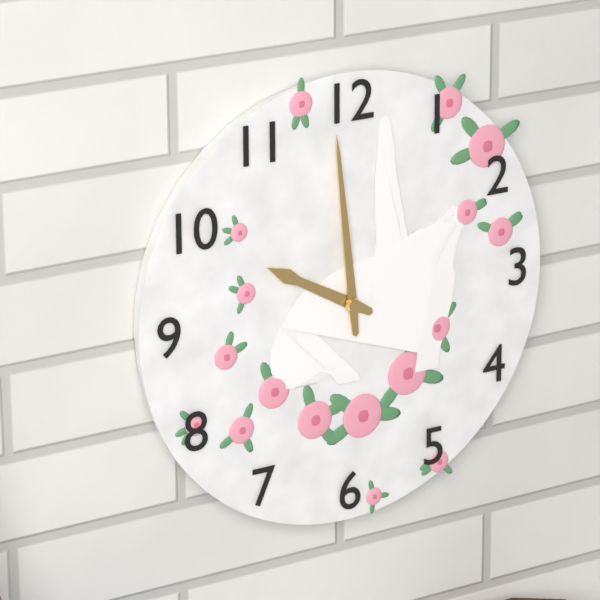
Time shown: {"hour": 9, "minute": 59}
